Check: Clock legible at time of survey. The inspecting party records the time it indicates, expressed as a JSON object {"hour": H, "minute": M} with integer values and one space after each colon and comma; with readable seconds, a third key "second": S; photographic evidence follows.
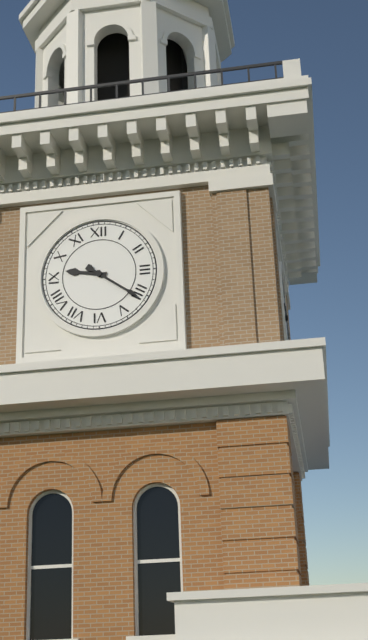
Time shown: {"hour": 9, "minute": 21}
